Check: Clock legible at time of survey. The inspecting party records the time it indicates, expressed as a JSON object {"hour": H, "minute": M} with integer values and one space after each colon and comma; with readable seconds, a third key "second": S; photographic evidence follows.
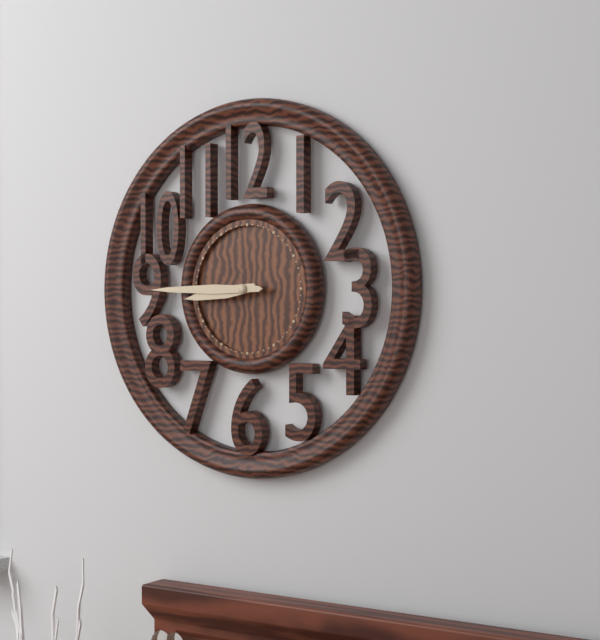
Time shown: {"hour": 8, "minute": 45}
